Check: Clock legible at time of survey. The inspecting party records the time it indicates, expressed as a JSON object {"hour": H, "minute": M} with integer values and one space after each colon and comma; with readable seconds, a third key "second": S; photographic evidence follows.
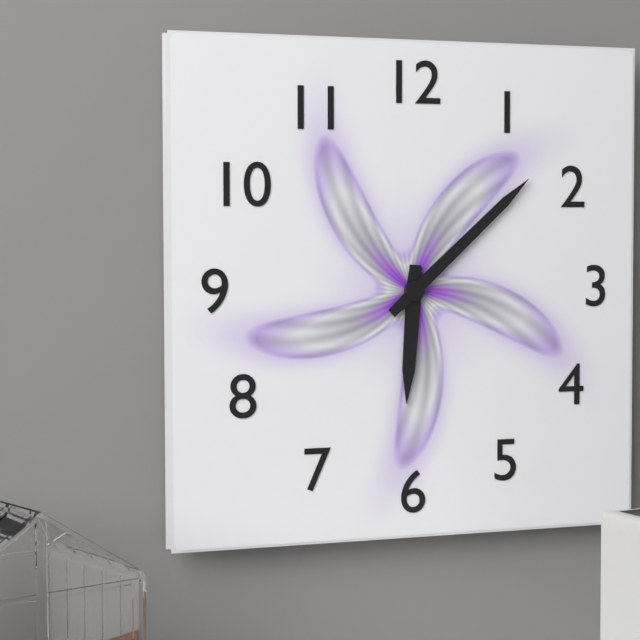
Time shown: {"hour": 6, "minute": 8}
